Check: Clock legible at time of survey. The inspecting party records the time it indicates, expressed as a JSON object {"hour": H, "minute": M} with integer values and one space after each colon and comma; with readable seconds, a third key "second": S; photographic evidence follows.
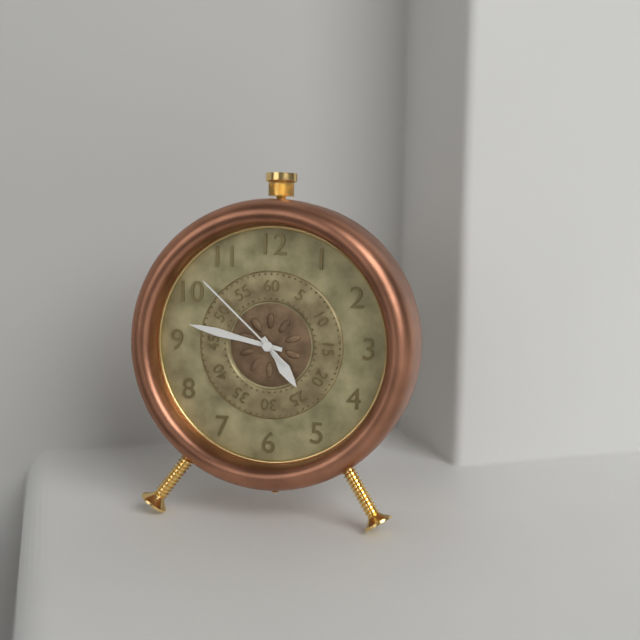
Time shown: {"hour": 4, "minute": 47, "second": 52}
